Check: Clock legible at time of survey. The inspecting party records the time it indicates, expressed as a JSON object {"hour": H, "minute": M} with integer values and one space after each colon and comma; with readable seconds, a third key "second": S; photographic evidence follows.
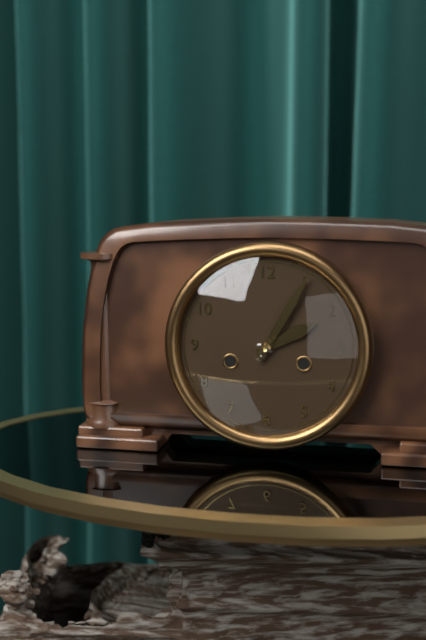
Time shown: {"hour": 2, "minute": 5}
